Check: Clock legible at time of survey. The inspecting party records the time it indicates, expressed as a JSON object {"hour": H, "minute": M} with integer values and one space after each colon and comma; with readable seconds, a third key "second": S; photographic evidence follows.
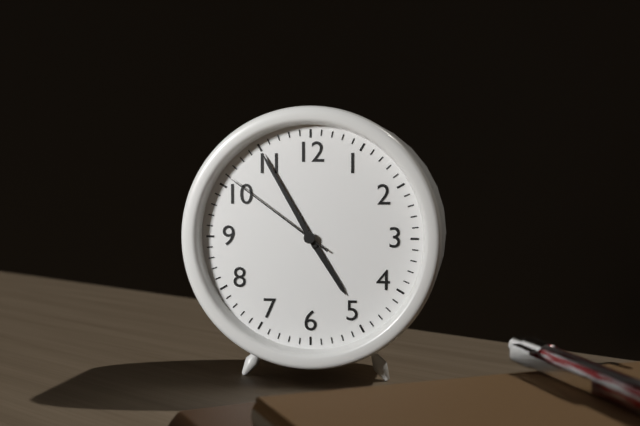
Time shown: {"hour": 4, "minute": 55, "second": 51}
